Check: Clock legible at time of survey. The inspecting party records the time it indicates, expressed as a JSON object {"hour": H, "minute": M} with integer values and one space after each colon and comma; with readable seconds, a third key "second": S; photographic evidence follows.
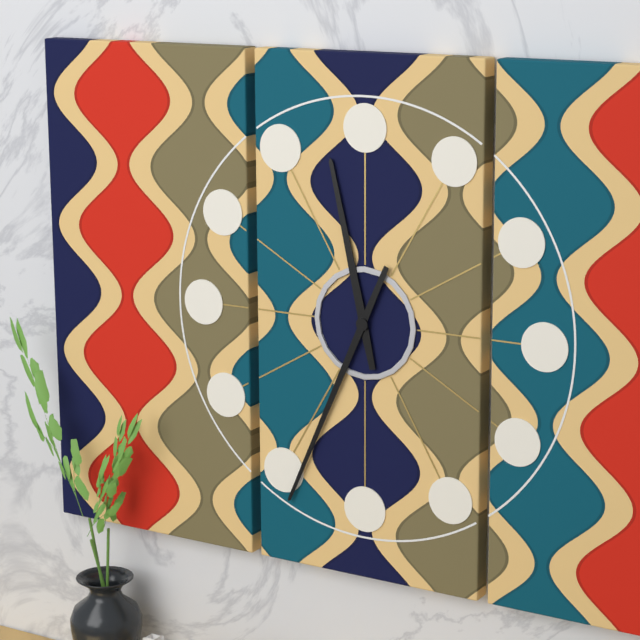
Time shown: {"hour": 11, "minute": 34}
